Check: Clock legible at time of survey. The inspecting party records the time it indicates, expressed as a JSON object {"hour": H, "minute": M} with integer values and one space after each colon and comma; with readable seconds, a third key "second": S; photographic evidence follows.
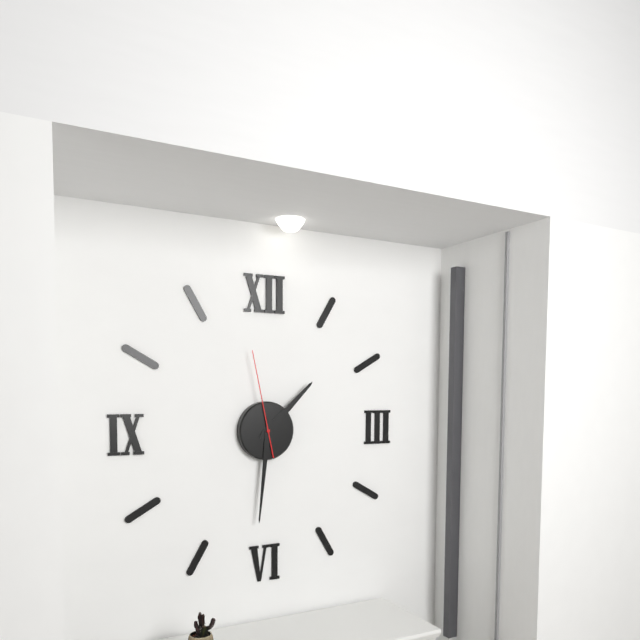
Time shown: {"hour": 1, "minute": 31, "second": 58}
